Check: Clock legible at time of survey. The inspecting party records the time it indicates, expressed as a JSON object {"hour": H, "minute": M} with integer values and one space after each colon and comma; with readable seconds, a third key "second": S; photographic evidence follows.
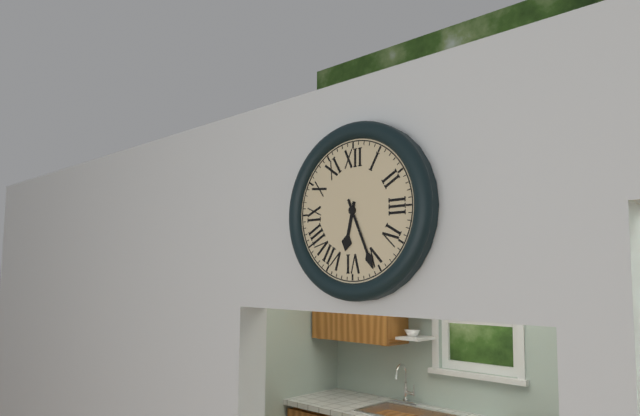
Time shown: {"hour": 6, "minute": 26}
